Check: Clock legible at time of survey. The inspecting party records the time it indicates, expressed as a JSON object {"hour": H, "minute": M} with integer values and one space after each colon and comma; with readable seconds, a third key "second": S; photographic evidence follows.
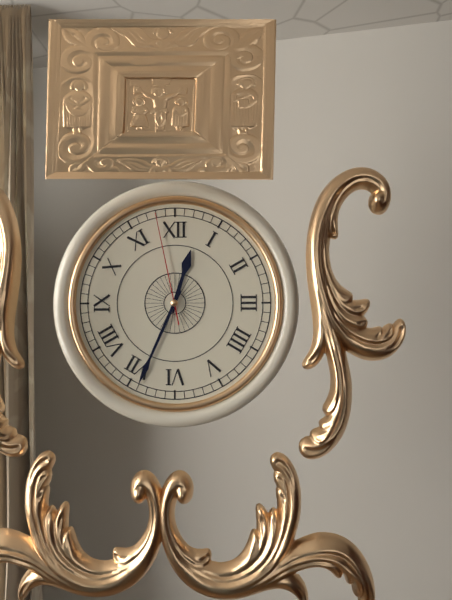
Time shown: {"hour": 12, "minute": 34, "second": 58}
